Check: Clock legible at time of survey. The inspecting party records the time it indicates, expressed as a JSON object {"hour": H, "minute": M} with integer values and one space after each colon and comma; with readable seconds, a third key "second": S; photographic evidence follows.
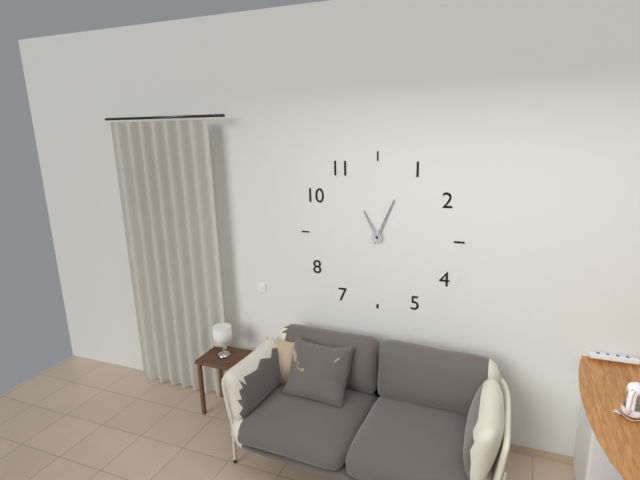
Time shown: {"hour": 11, "minute": 4}
